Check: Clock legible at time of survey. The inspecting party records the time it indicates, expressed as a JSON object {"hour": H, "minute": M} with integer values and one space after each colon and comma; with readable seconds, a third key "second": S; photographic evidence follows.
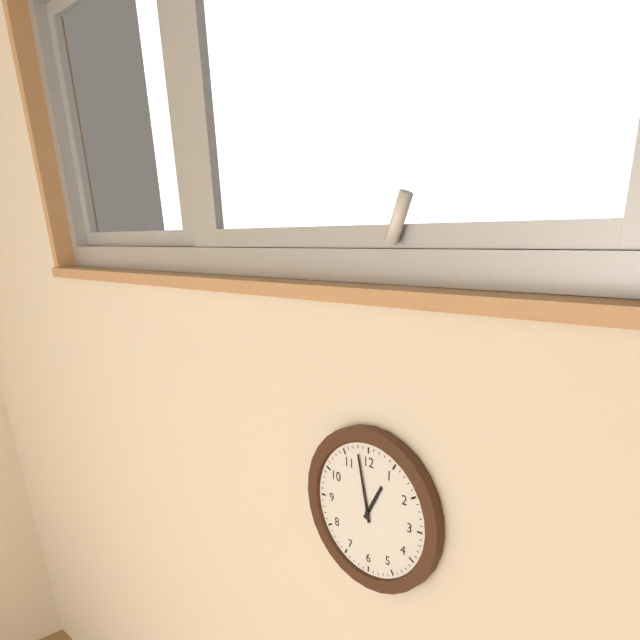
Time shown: {"hour": 12, "minute": 58}
